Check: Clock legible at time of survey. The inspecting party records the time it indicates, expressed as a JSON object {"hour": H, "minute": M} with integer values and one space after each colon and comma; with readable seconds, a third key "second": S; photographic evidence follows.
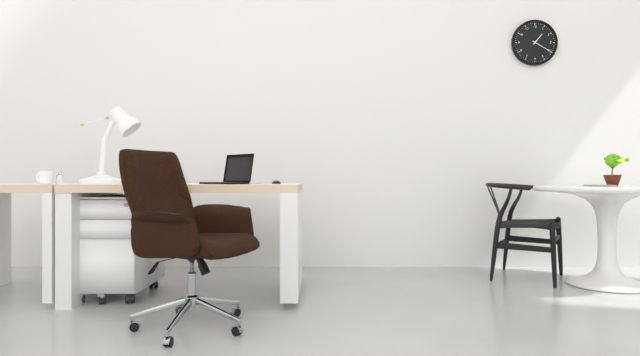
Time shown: {"hour": 1, "minute": 20}
